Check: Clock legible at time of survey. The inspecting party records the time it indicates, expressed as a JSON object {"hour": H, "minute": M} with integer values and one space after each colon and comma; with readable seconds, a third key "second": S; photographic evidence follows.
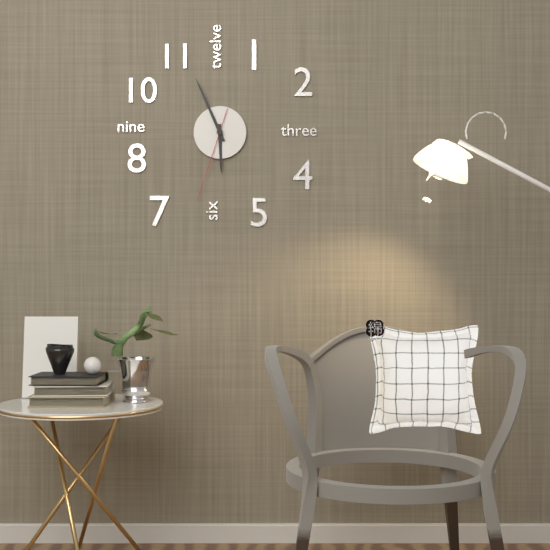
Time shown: {"hour": 5, "minute": 56, "second": 33}
